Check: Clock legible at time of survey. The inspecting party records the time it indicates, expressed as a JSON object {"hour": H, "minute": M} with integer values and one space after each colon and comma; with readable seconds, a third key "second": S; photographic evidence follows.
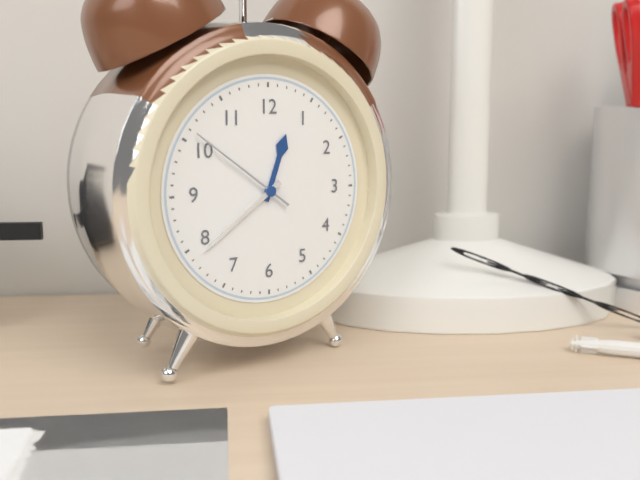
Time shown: {"hour": 12, "minute": 39, "second": 51}
